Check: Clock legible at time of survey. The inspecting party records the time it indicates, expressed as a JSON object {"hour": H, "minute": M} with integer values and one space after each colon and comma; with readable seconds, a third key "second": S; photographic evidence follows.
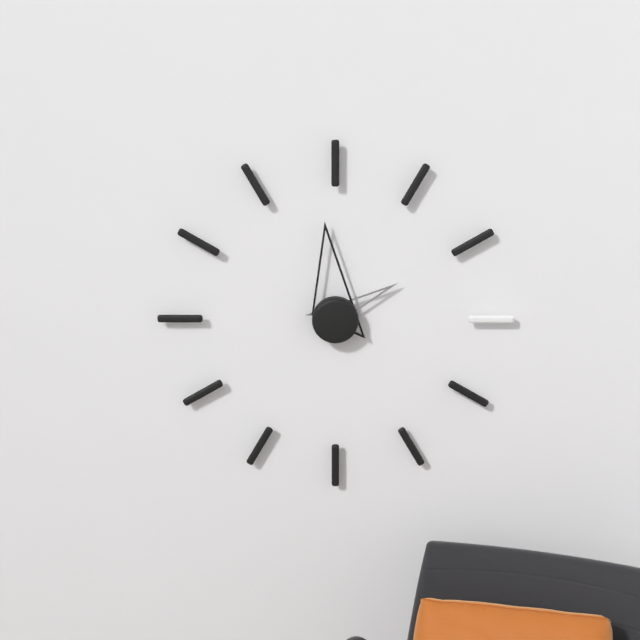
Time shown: {"hour": 1, "minute": 59}
